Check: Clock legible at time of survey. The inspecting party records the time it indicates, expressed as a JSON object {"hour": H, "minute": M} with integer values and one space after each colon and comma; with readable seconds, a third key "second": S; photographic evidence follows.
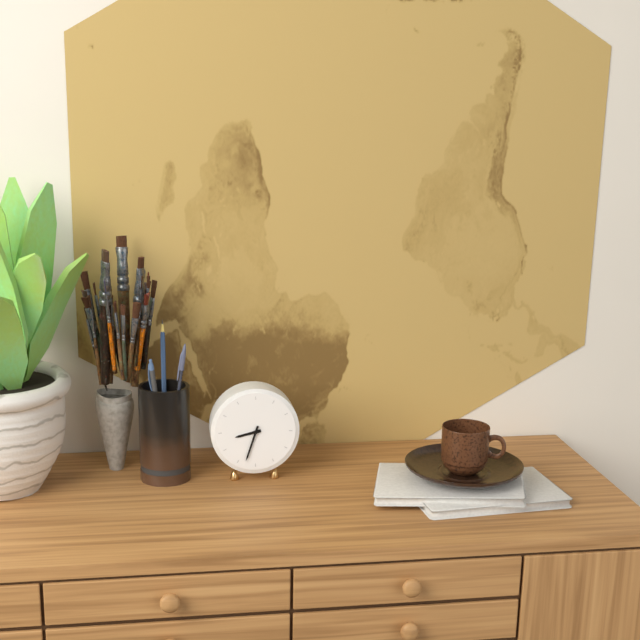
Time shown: {"hour": 8, "minute": 33}
